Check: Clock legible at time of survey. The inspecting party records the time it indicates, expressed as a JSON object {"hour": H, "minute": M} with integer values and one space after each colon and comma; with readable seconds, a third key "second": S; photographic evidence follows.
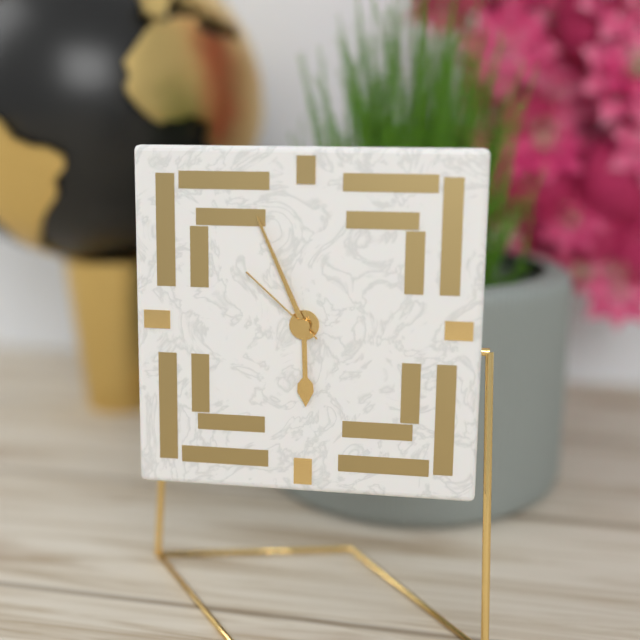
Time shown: {"hour": 5, "minute": 56, "second": 52}
